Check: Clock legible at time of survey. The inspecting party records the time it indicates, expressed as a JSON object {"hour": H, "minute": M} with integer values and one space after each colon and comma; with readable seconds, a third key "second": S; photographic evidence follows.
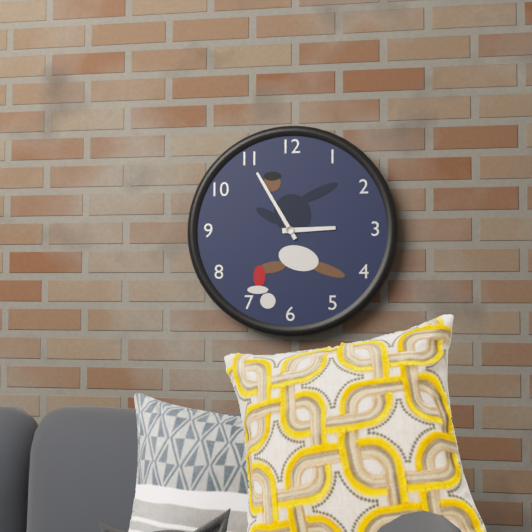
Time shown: {"hour": 2, "minute": 55}
